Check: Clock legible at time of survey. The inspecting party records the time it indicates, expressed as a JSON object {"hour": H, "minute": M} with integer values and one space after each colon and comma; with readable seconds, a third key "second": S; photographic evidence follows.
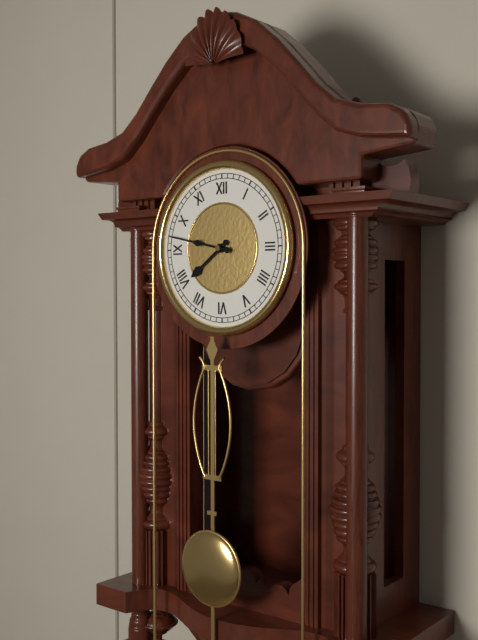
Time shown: {"hour": 7, "minute": 47}
